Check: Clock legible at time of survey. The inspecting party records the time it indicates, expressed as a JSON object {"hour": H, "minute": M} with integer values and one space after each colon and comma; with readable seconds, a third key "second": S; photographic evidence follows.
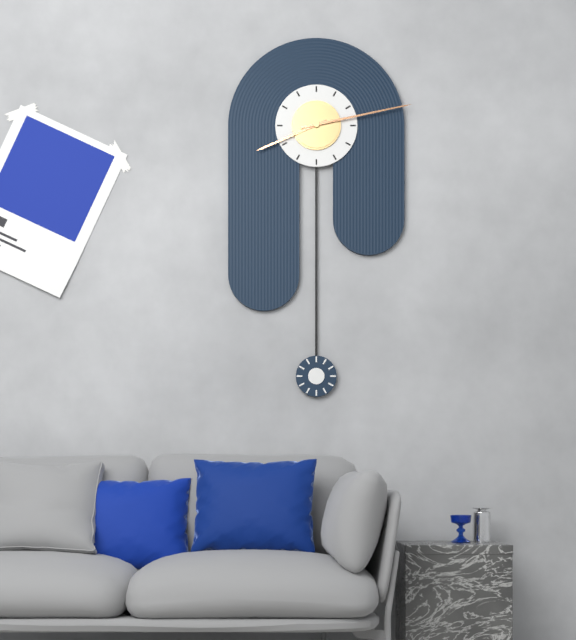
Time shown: {"hour": 8, "minute": 13}
